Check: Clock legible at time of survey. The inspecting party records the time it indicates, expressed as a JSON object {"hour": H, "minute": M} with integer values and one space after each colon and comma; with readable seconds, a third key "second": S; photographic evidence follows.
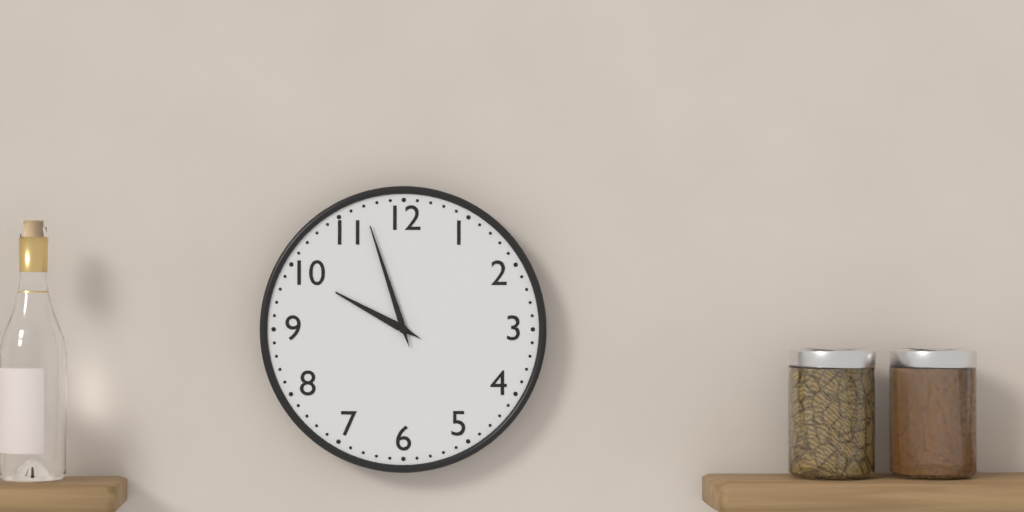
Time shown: {"hour": 9, "minute": 57}
